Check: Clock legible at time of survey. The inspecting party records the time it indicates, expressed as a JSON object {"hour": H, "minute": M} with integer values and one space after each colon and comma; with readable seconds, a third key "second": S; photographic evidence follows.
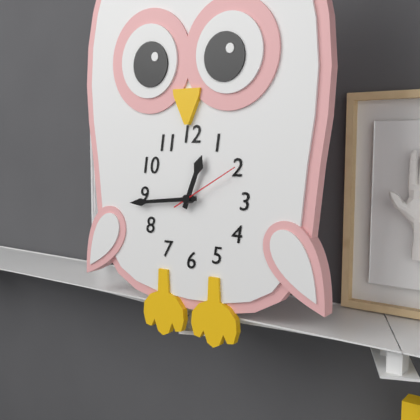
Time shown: {"hour": 12, "minute": 44, "second": 10}
